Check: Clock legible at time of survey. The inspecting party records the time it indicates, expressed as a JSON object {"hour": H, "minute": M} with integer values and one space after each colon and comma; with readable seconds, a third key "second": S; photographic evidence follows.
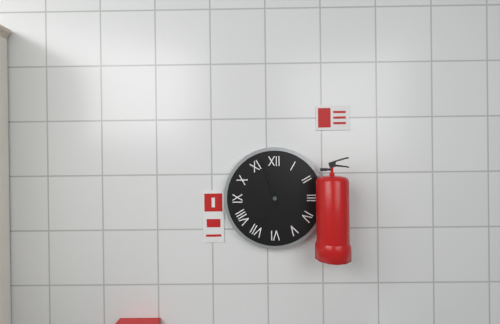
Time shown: {"hour": 6, "minute": 57}
